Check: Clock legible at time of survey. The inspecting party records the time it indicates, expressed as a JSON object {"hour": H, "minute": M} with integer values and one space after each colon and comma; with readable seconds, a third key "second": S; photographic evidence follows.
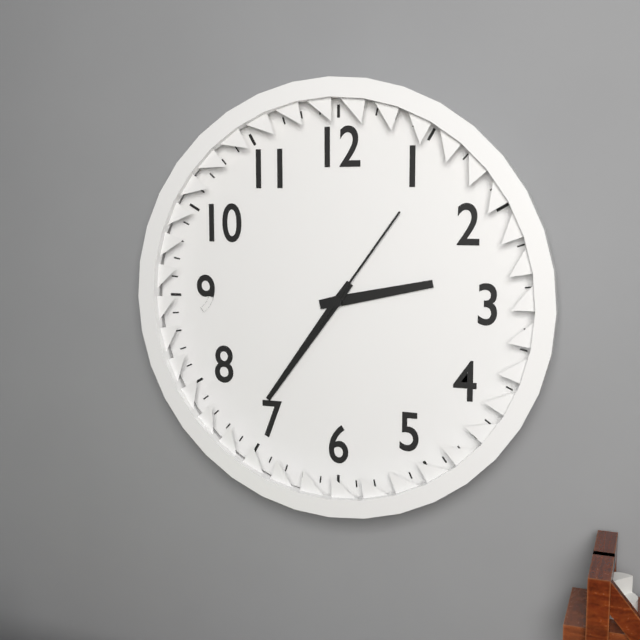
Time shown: {"hour": 2, "minute": 36, "second": 6}
